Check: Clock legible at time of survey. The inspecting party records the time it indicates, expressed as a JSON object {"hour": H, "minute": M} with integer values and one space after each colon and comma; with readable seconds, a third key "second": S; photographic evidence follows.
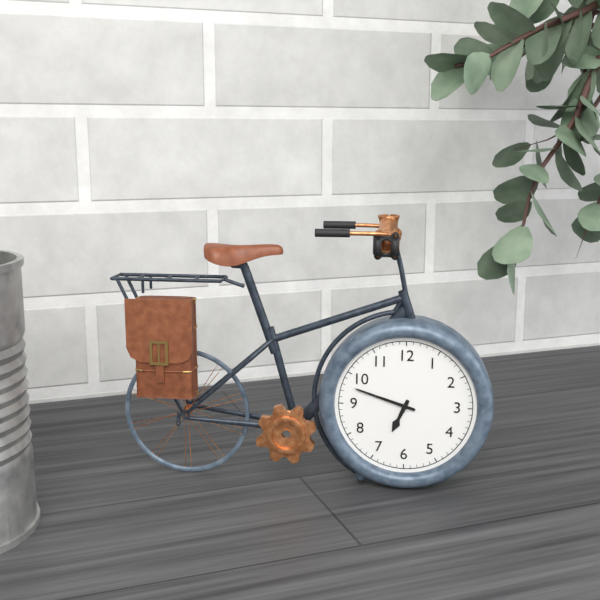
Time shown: {"hour": 6, "minute": 48}
